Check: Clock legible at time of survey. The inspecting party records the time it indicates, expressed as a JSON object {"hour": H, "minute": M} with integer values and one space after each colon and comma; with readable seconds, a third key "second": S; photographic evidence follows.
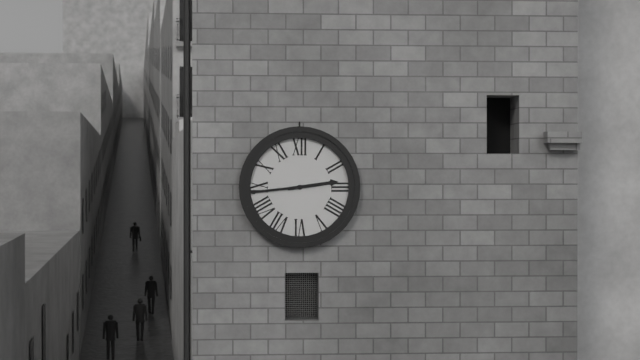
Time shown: {"hour": 2, "minute": 44}
